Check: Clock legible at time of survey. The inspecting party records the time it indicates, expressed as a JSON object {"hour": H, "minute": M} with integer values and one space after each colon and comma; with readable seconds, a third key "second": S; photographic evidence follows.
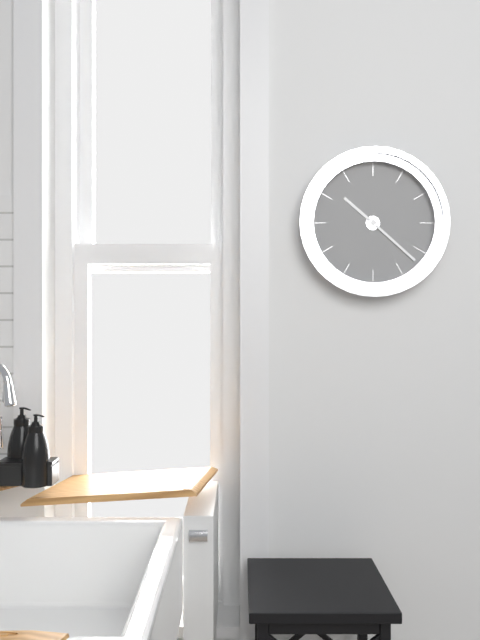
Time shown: {"hour": 10, "minute": 22}
